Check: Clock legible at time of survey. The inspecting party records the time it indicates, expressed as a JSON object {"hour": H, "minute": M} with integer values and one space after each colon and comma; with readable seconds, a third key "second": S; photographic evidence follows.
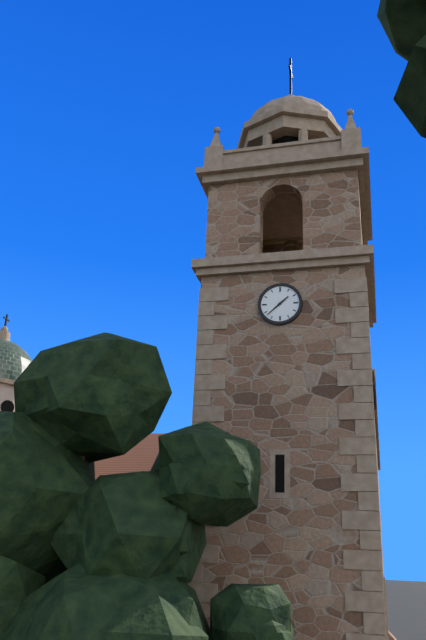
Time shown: {"hour": 1, "minute": 38}
